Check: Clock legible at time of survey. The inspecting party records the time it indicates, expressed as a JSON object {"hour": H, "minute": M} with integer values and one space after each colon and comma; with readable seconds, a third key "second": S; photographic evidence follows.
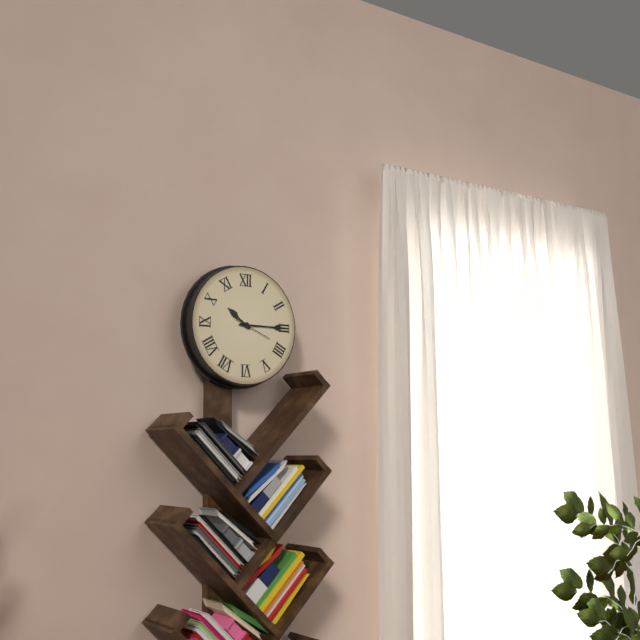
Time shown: {"hour": 10, "minute": 15}
